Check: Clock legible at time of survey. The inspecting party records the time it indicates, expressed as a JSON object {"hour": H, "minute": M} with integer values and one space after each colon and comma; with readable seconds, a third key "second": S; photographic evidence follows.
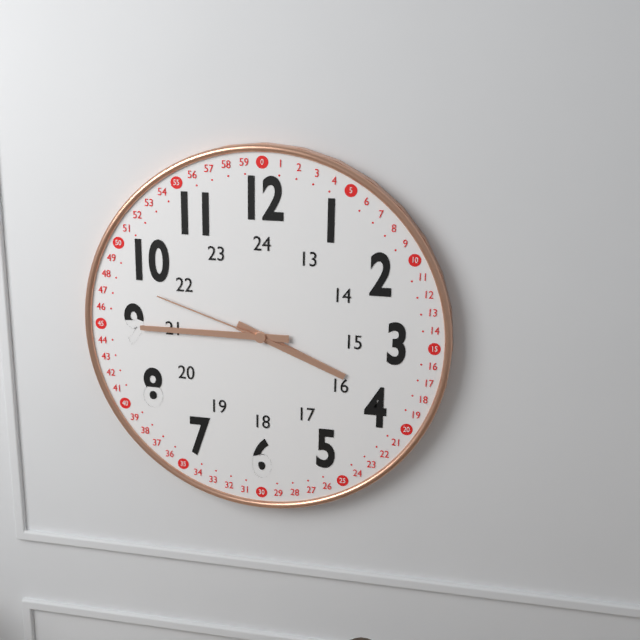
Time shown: {"hour": 3, "minute": 45, "second": 48}
